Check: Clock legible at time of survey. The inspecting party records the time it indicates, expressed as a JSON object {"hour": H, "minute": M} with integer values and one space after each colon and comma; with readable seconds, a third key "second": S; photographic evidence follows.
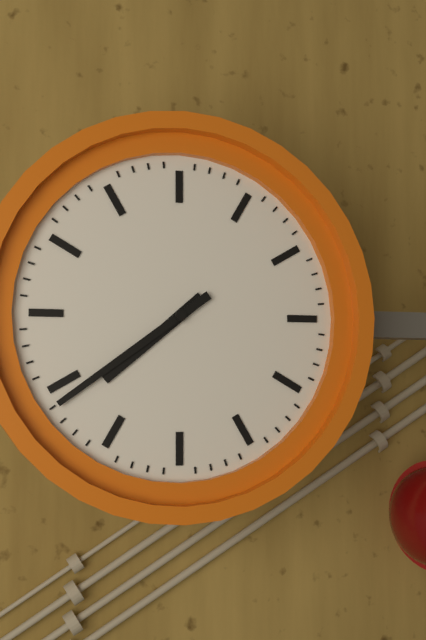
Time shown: {"hour": 7, "minute": 39}
